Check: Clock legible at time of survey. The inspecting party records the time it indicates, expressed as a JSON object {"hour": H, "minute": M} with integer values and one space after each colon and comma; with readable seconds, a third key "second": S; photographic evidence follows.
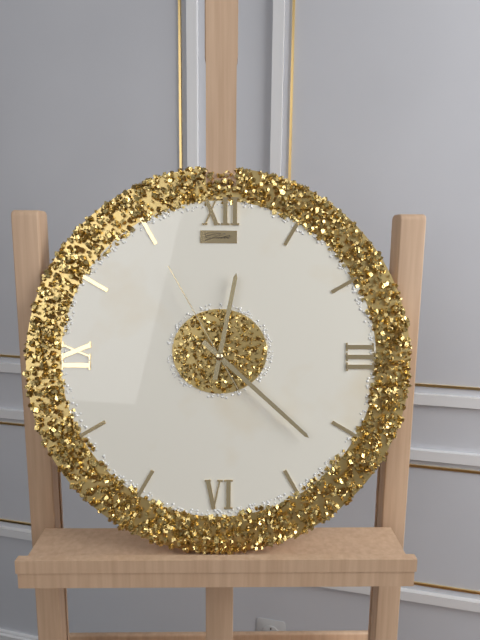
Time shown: {"hour": 12, "minute": 22, "second": 55}
